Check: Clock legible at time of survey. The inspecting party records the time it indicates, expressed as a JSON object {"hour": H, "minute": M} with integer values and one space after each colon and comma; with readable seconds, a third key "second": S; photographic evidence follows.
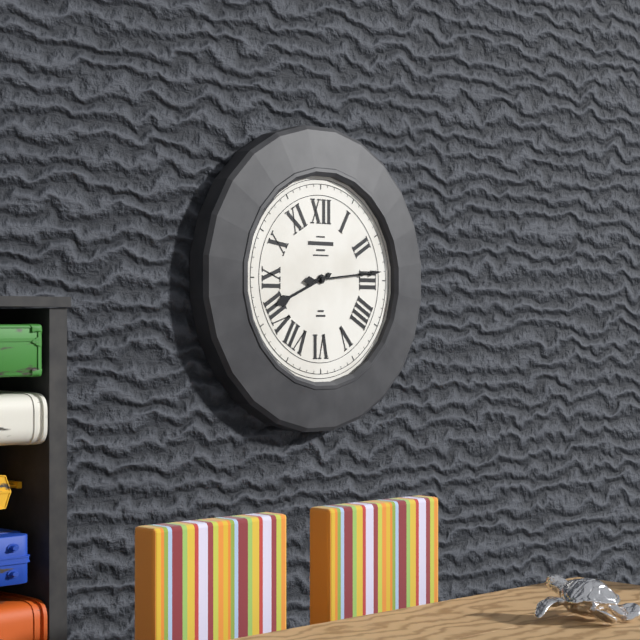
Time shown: {"hour": 8, "minute": 14}
